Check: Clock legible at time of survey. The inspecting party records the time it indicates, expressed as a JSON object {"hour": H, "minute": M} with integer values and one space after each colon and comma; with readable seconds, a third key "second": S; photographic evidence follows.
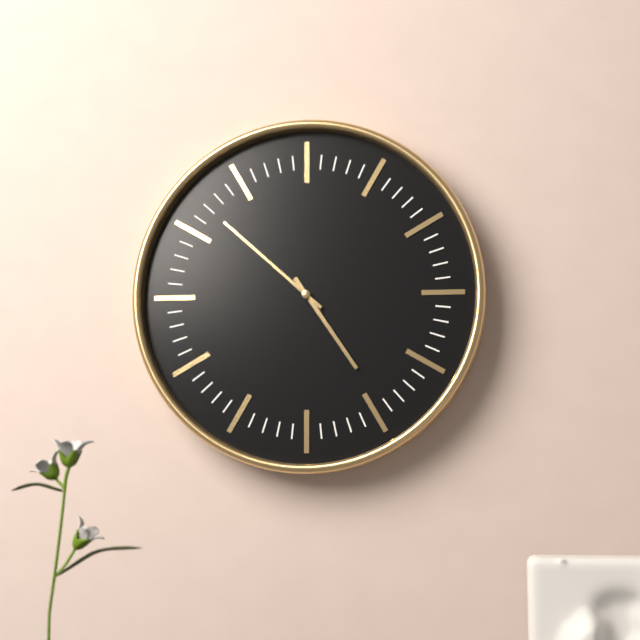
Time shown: {"hour": 4, "minute": 52}
